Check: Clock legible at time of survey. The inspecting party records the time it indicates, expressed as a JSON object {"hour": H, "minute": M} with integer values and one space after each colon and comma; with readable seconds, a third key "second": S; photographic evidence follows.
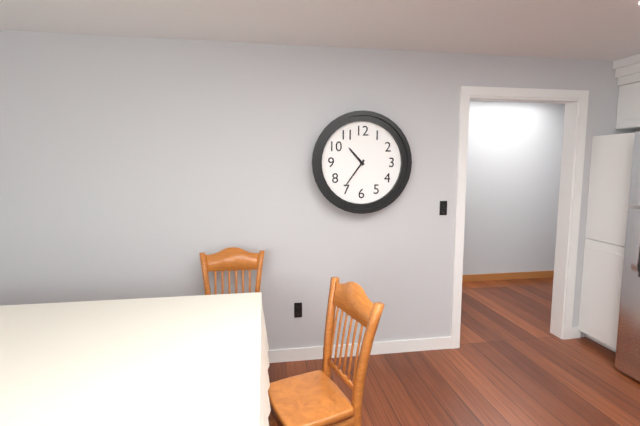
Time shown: {"hour": 10, "minute": 36}
